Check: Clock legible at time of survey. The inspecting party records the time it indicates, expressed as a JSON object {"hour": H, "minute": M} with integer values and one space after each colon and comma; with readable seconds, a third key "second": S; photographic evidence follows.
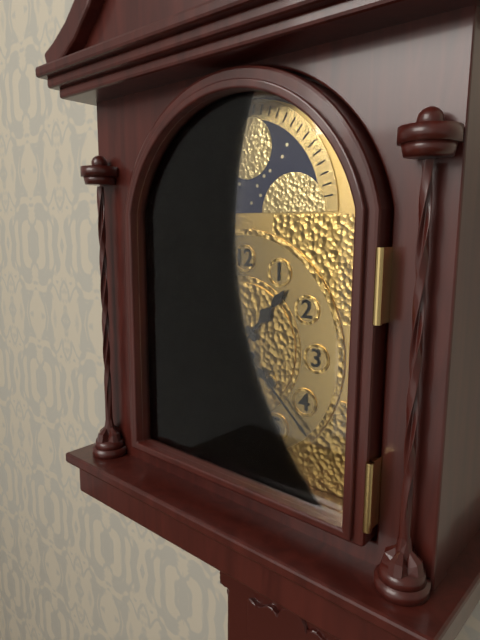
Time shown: {"hour": 1, "minute": 22}
